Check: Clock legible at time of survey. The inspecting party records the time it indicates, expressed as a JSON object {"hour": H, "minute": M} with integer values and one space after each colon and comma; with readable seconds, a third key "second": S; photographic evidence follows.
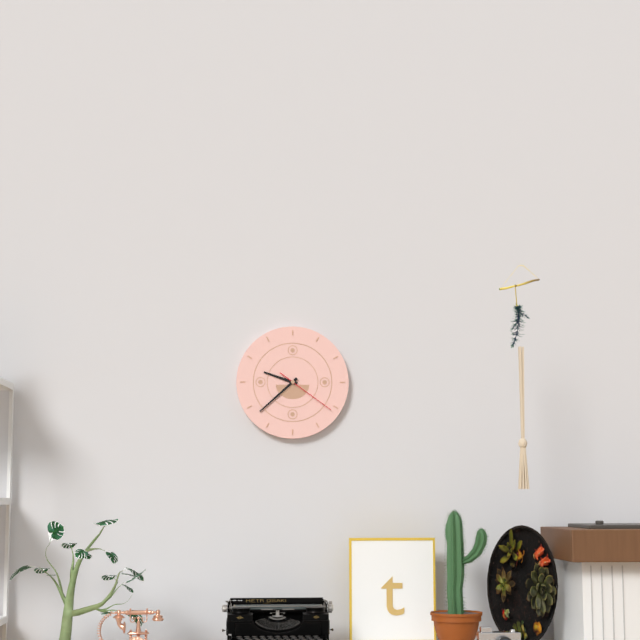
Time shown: {"hour": 9, "minute": 38, "second": 21}
